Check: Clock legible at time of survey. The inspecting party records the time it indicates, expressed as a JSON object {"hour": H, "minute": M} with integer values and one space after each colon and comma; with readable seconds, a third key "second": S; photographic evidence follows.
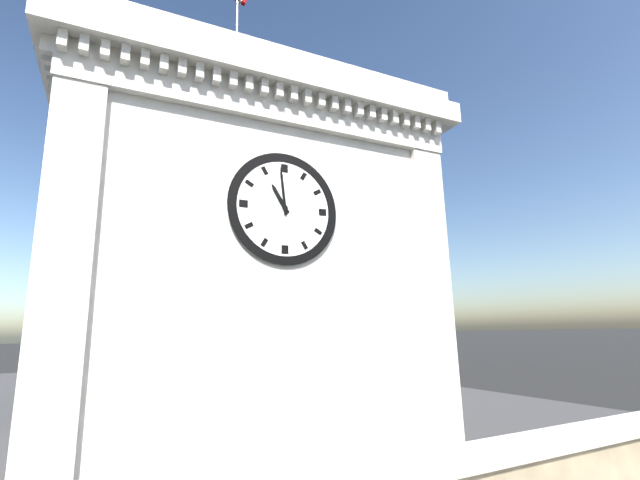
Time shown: {"hour": 10, "minute": 59}
